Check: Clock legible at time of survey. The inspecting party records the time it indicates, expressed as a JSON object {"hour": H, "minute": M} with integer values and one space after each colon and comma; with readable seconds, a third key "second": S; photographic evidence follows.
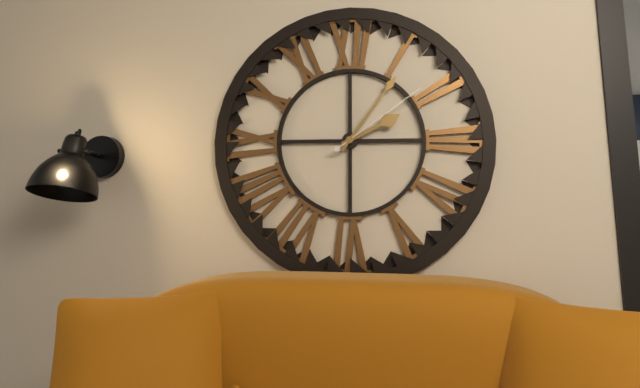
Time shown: {"hour": 2, "minute": 6, "second": 9}
